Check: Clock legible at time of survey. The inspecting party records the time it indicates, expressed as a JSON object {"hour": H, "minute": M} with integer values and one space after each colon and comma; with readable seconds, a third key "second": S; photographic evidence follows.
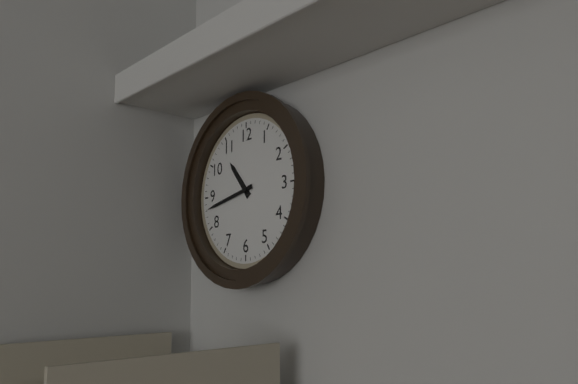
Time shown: {"hour": 10, "minute": 43}
